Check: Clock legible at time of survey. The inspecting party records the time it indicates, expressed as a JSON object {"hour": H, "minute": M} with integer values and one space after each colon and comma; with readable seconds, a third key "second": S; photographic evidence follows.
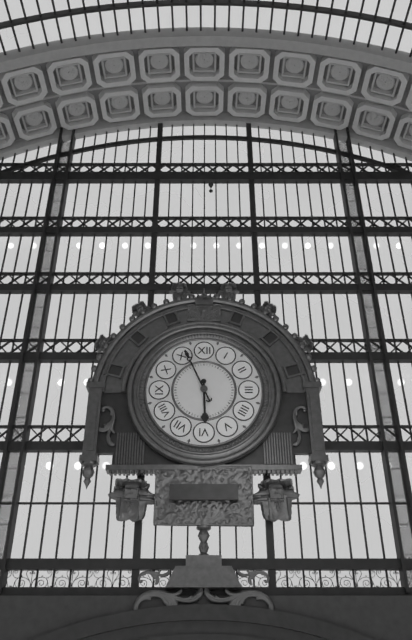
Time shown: {"hour": 5, "minute": 56}
